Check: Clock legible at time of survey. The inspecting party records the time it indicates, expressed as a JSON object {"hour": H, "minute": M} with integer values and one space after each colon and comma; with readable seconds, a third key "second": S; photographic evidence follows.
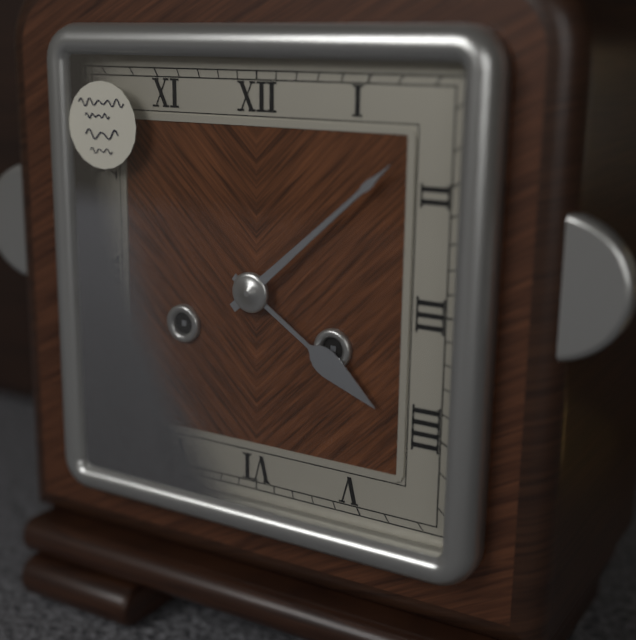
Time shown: {"hour": 4, "minute": 8}
